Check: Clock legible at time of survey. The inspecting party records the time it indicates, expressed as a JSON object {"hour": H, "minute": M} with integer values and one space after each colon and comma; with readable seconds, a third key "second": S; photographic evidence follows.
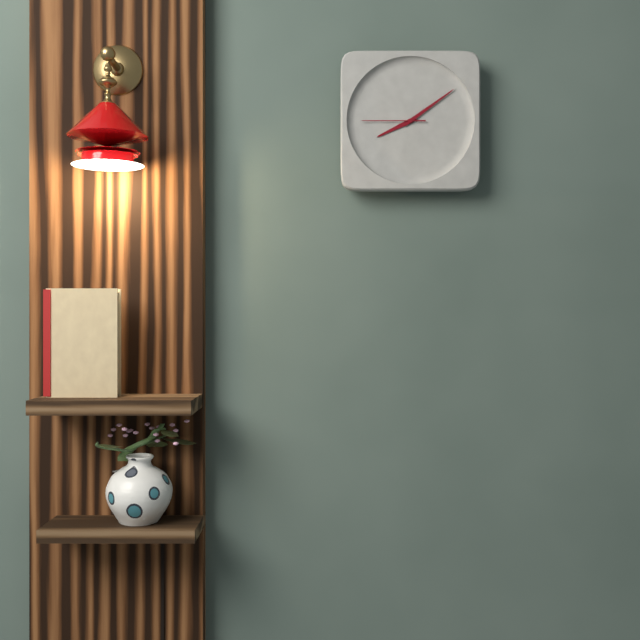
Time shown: {"hour": 8, "minute": 9, "second": 45}
